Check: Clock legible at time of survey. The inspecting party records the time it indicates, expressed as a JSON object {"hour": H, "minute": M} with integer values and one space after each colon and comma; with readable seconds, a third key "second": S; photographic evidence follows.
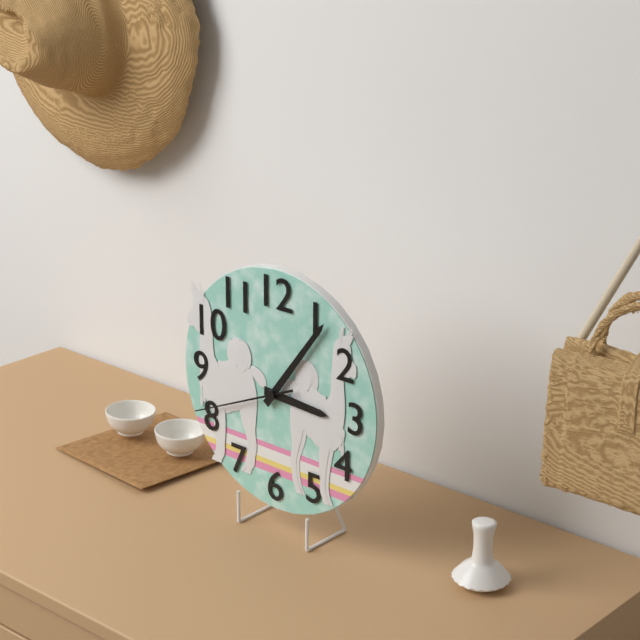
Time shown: {"hour": 3, "minute": 6, "second": 41}
